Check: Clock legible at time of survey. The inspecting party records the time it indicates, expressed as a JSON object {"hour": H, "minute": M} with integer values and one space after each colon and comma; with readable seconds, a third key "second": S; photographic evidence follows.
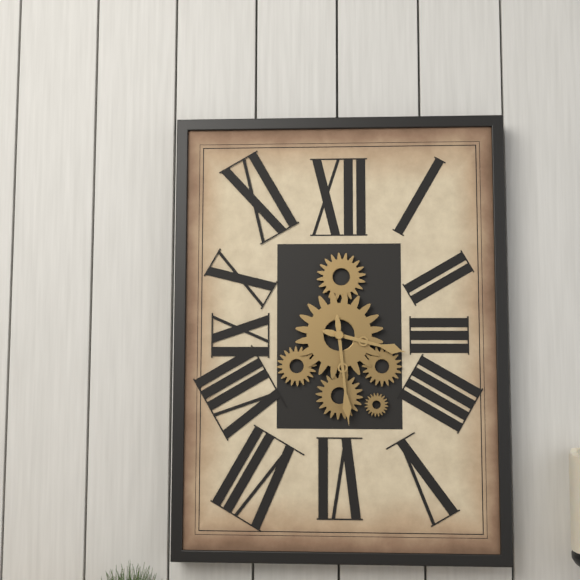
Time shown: {"hour": 3, "minute": 29}
